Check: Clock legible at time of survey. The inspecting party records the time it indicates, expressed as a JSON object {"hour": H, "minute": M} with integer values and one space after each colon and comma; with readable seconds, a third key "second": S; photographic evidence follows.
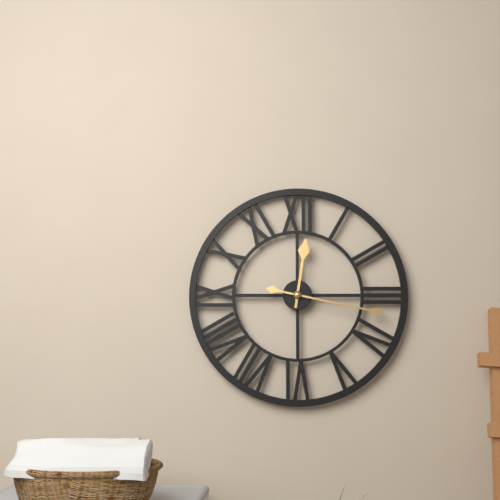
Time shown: {"hour": 12, "minute": 17}
